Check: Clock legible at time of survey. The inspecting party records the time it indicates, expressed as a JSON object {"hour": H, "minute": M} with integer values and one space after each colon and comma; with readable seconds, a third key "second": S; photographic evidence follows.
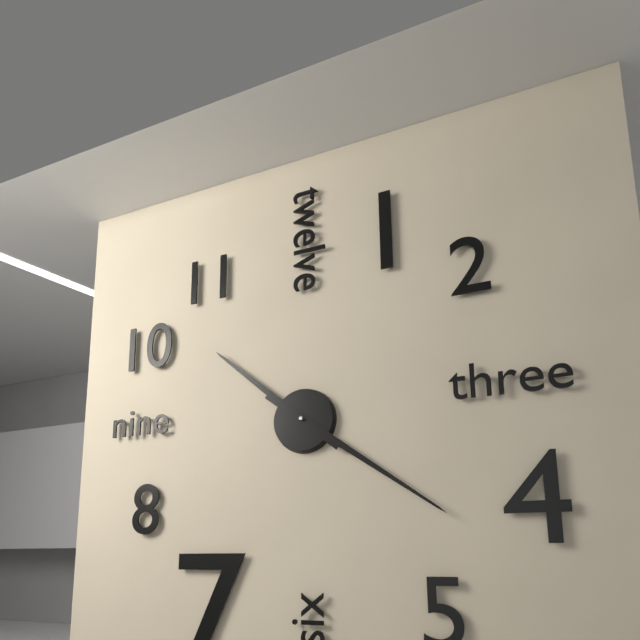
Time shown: {"hour": 10, "minute": 21}
